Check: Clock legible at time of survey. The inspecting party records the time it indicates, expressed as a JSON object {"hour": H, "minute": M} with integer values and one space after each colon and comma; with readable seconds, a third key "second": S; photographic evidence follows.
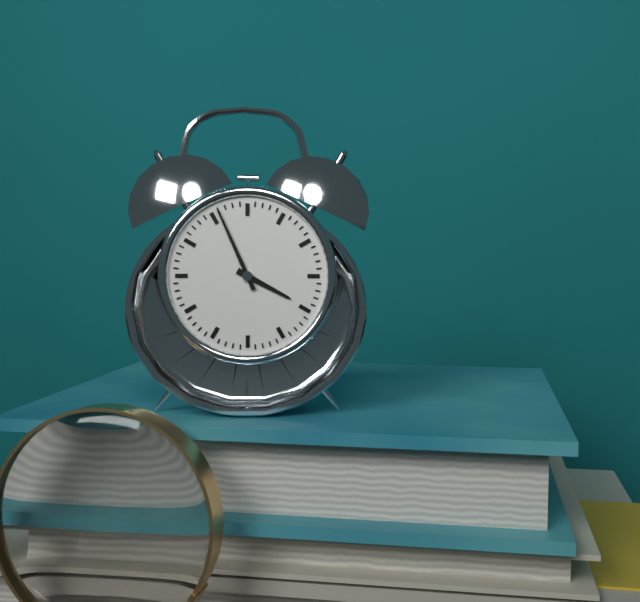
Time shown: {"hour": 3, "minute": 56}
